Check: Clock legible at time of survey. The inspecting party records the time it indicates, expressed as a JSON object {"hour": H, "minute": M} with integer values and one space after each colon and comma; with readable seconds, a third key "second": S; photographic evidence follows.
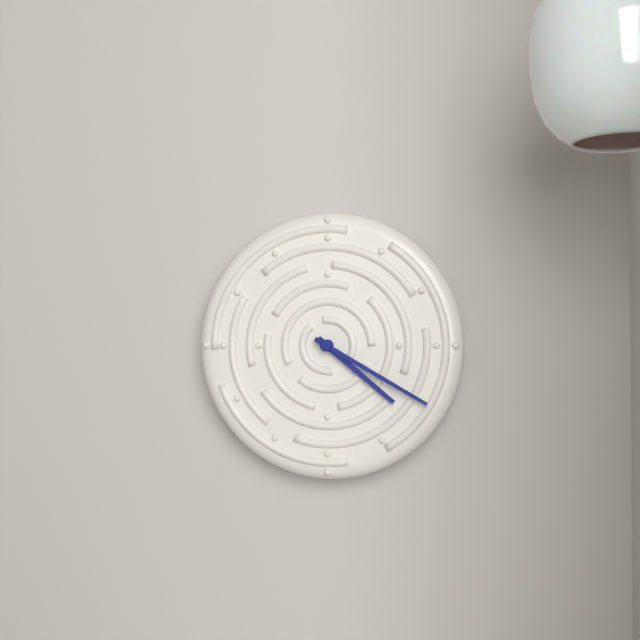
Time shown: {"hour": 4, "minute": 20}
